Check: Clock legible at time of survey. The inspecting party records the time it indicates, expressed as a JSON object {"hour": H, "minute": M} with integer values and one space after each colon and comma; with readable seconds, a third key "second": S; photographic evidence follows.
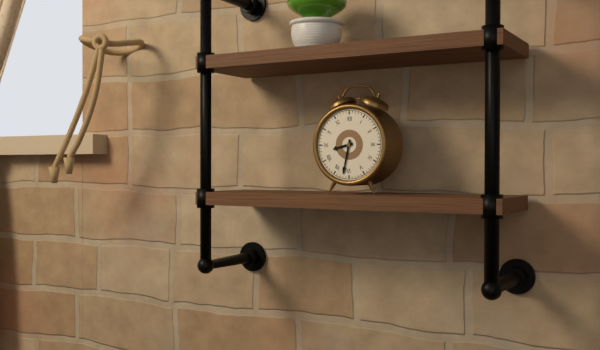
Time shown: {"hour": 8, "minute": 32}
